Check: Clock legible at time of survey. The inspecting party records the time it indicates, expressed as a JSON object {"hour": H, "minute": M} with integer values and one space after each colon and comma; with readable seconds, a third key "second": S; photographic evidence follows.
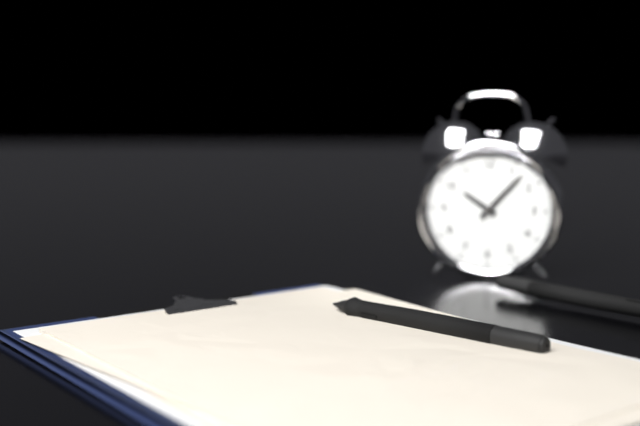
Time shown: {"hour": 10, "minute": 7}
